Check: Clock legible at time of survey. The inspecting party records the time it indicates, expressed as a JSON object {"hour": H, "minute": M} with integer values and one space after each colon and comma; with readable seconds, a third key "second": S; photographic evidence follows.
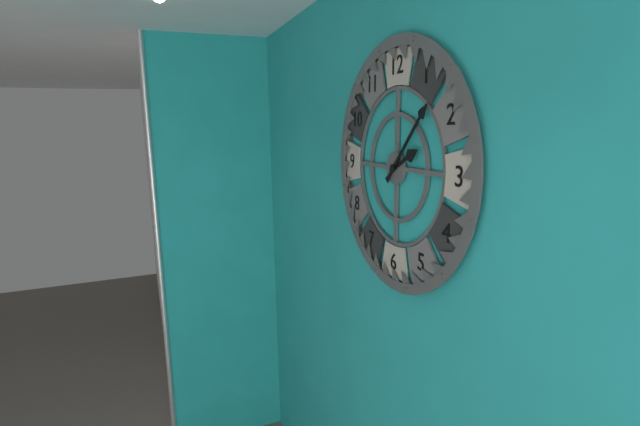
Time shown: {"hour": 2, "minute": 7}
